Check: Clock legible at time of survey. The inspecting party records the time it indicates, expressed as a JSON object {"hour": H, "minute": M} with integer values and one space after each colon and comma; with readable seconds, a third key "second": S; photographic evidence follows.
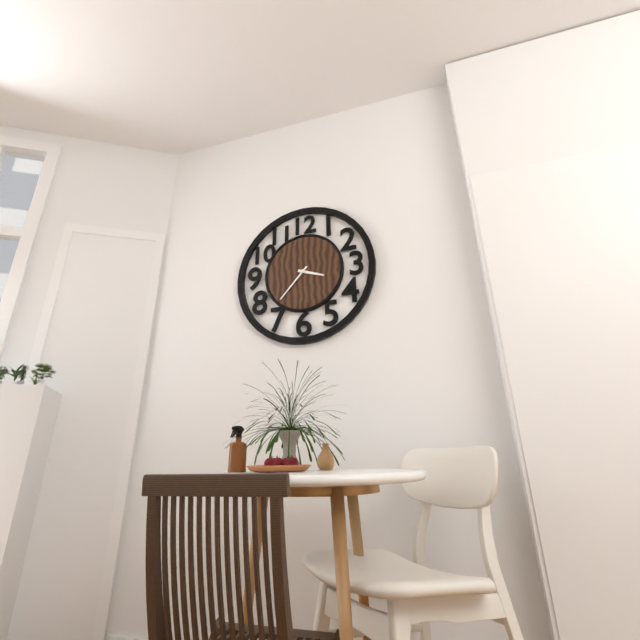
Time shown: {"hour": 3, "minute": 37}
